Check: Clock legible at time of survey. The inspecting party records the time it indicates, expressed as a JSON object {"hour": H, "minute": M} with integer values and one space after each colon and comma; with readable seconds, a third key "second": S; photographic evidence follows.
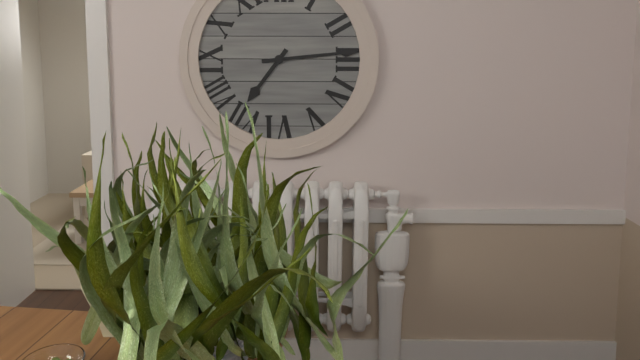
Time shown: {"hour": 7, "minute": 14}
